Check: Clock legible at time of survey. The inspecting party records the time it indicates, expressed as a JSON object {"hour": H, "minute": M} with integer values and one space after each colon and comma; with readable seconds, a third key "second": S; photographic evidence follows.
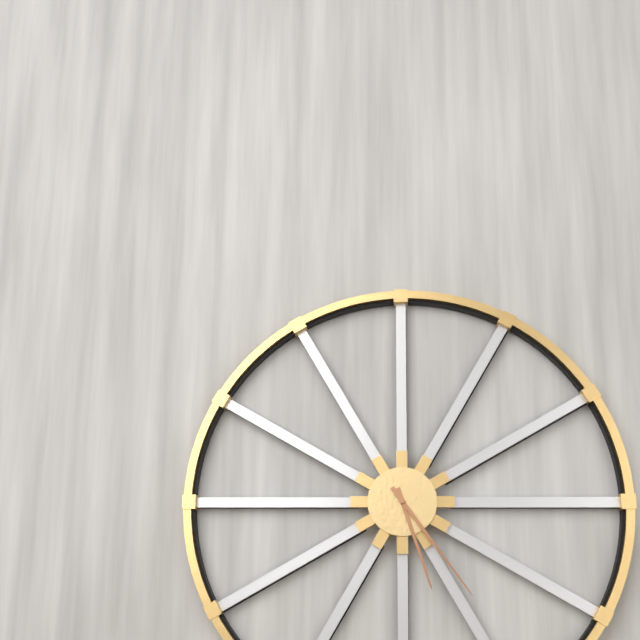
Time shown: {"hour": 5, "minute": 24}
